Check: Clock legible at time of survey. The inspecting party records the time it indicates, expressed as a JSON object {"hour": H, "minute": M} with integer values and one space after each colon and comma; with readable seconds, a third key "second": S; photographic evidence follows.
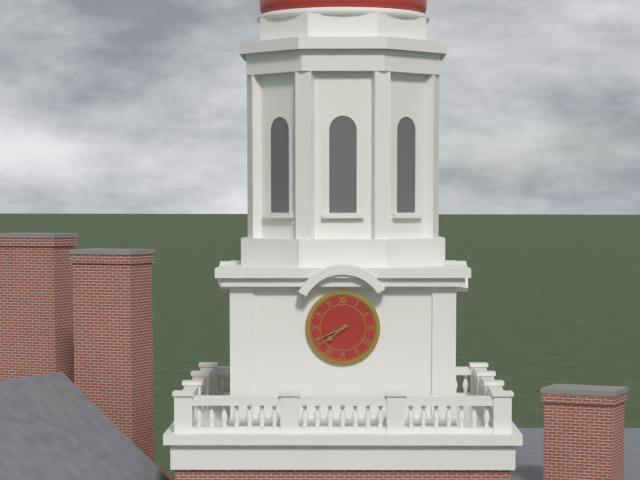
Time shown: {"hour": 7, "minute": 41}
